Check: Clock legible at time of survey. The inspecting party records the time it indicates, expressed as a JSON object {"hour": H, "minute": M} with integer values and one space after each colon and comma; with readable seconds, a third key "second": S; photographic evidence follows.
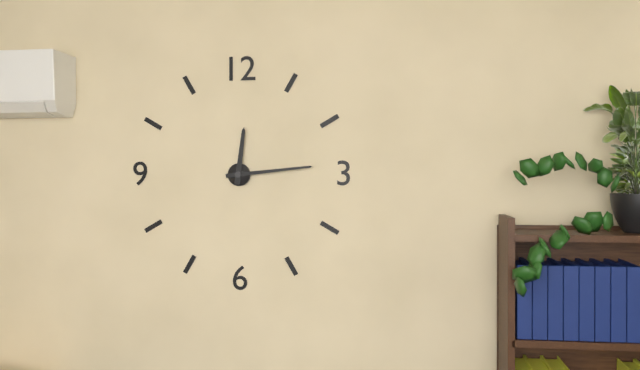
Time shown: {"hour": 12, "minute": 14}
